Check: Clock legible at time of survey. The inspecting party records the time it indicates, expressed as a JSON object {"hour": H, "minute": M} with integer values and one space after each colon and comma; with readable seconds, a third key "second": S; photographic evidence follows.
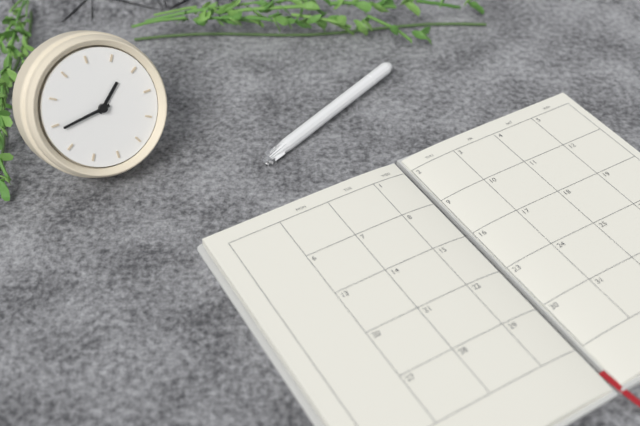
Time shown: {"hour": 12, "minute": 39}
